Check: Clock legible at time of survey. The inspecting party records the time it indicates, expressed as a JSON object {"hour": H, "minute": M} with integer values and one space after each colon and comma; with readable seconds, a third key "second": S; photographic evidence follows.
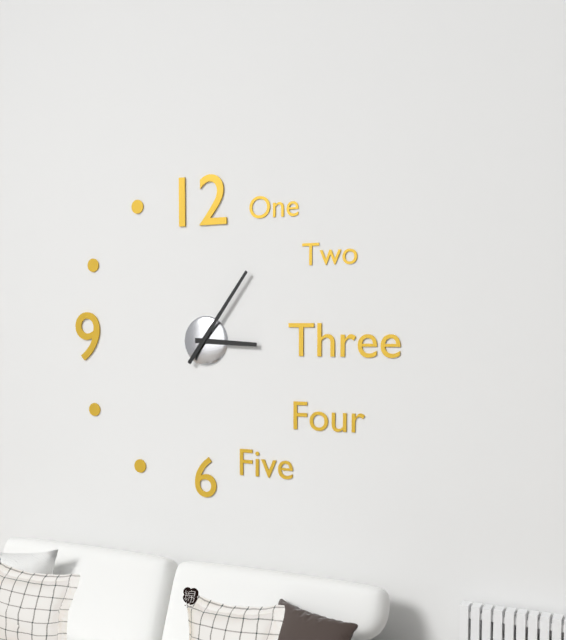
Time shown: {"hour": 3, "minute": 6}
